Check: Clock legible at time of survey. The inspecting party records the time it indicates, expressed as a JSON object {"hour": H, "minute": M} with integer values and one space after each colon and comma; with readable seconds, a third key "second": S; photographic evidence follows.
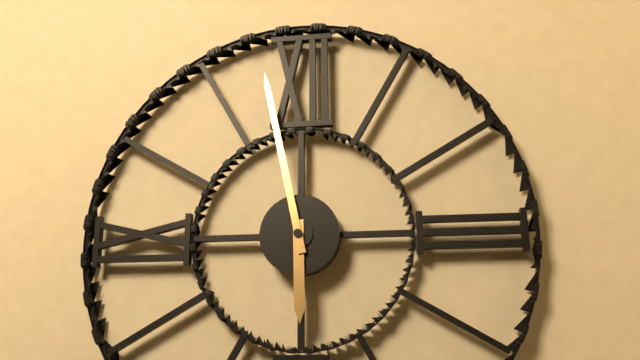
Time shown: {"hour": 5, "minute": 58}
